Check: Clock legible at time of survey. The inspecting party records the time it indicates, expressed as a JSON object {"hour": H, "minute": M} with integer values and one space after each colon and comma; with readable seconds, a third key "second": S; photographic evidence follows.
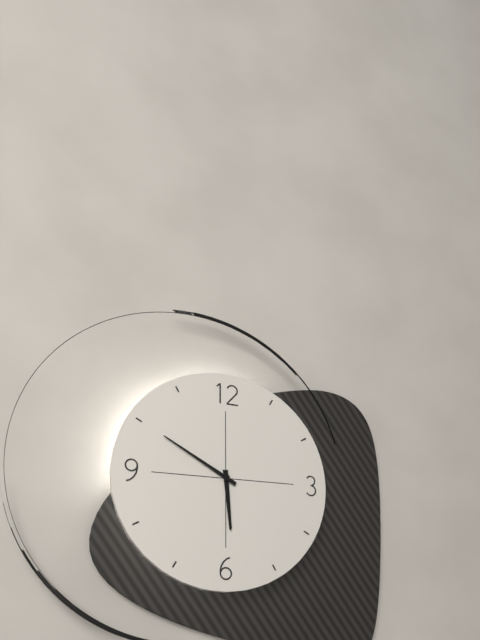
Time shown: {"hour": 5, "minute": 50}
